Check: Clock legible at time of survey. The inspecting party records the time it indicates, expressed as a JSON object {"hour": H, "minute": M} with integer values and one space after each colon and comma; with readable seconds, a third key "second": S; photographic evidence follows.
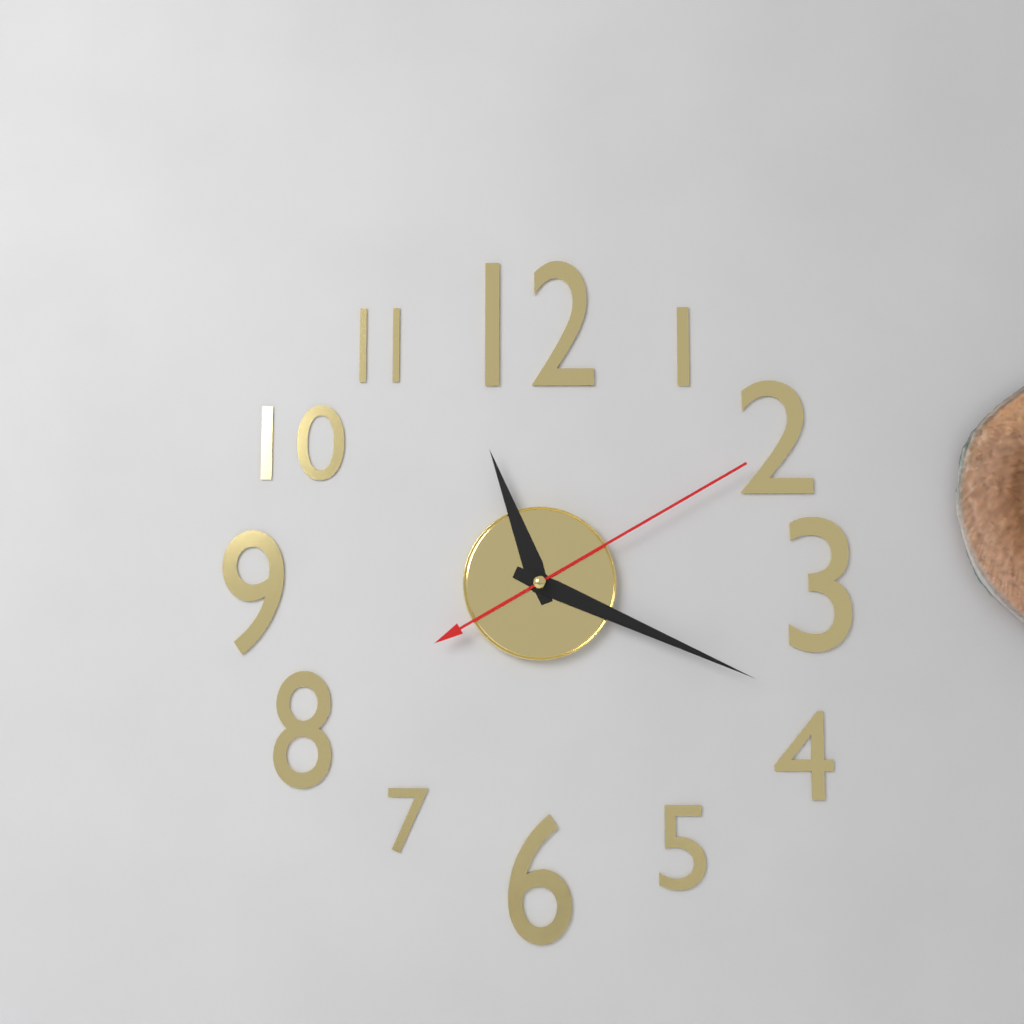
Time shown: {"hour": 11, "minute": 19, "second": 10}
